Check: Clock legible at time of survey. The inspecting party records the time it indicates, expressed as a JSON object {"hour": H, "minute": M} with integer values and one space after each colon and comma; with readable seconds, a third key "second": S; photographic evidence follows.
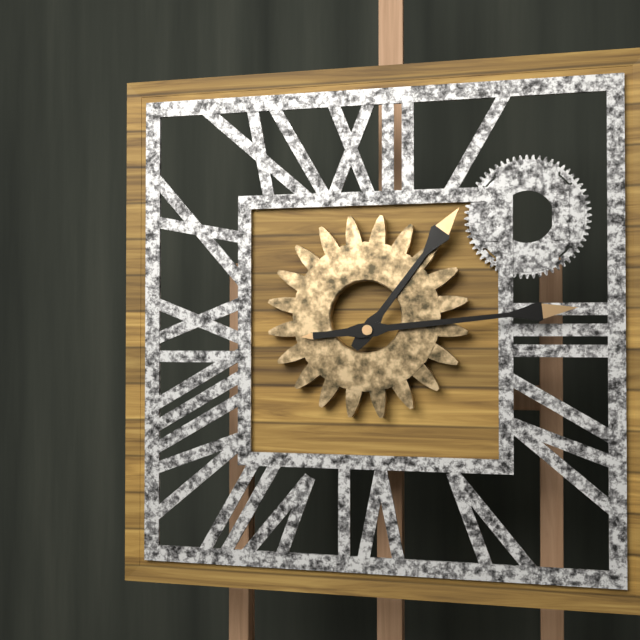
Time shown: {"hour": 1, "minute": 14}
